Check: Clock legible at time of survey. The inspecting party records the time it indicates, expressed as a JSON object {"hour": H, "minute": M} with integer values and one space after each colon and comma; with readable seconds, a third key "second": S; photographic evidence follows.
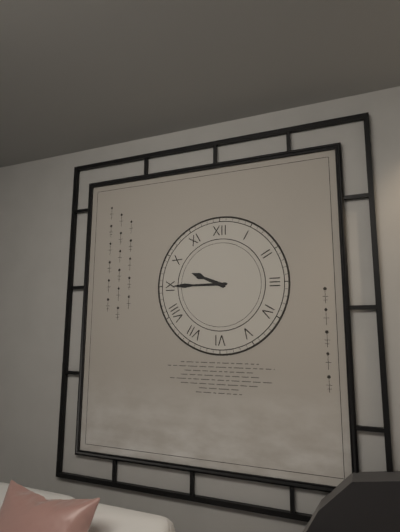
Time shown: {"hour": 9, "minute": 45}
